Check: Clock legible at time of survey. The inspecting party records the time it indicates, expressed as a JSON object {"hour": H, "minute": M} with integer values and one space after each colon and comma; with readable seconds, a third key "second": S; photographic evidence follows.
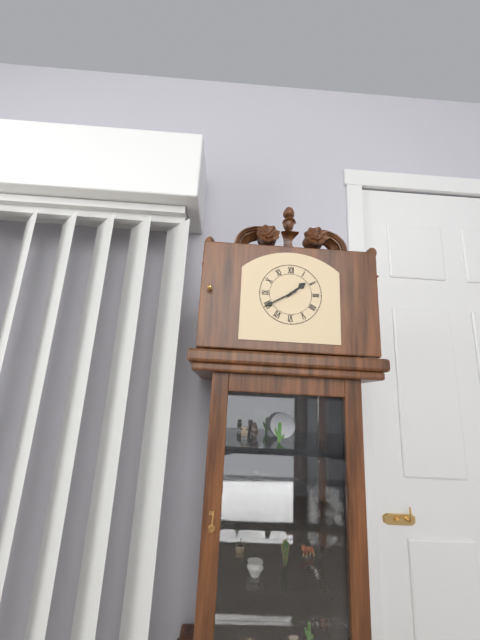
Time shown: {"hour": 1, "minute": 40}
